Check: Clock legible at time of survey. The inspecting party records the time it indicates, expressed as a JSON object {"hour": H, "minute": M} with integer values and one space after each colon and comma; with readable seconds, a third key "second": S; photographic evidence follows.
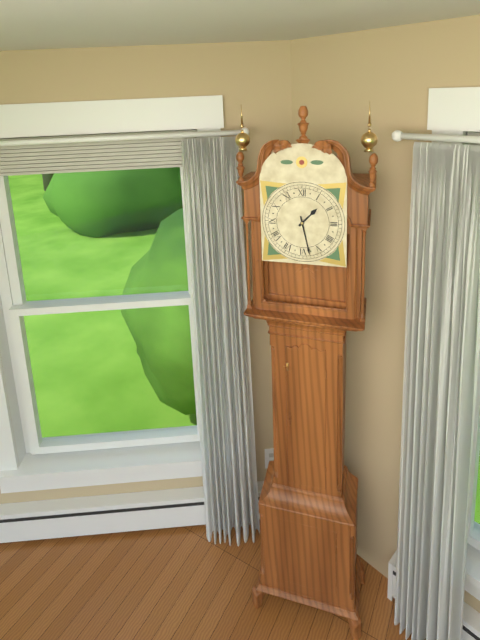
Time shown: {"hour": 1, "minute": 28}
